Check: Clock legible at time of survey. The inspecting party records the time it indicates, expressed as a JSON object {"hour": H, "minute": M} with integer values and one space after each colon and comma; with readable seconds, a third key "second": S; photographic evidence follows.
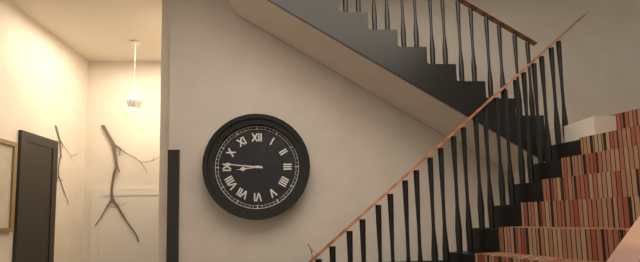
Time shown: {"hour": 8, "minute": 46}
